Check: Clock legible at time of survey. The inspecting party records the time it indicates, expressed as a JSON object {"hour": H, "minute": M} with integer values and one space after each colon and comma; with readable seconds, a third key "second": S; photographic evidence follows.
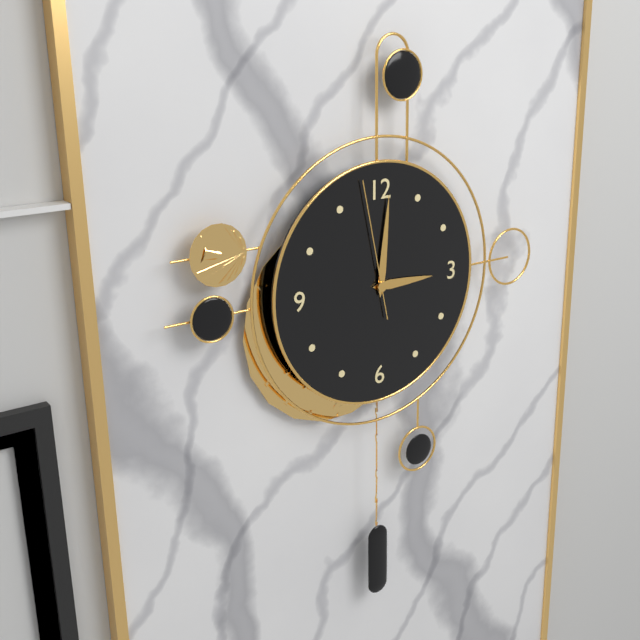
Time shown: {"hour": 3, "minute": 1, "second": 58}
